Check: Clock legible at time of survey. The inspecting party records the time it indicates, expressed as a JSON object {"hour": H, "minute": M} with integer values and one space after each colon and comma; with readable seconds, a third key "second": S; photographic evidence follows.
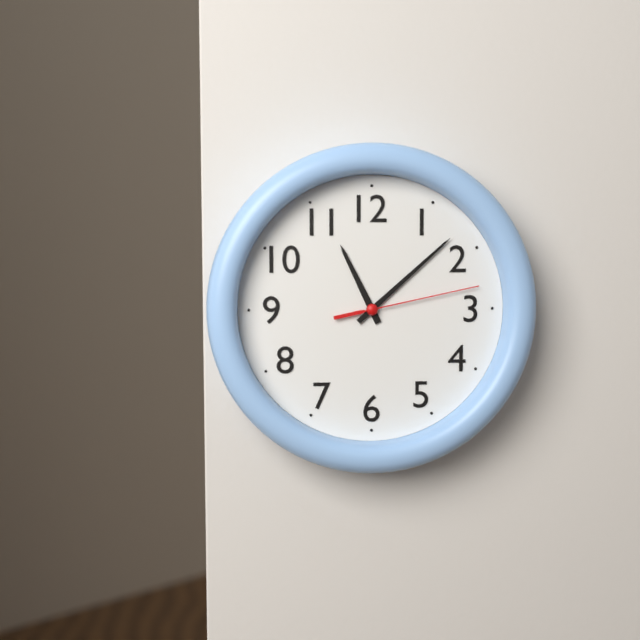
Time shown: {"hour": 11, "minute": 8, "second": 13}
